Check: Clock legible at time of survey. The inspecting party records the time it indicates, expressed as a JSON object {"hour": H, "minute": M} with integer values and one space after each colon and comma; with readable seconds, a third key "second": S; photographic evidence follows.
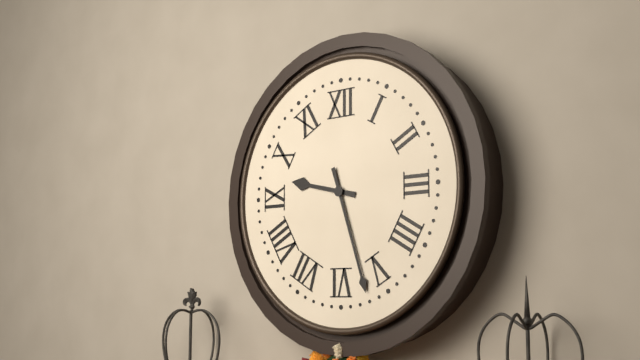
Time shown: {"hour": 9, "minute": 27}
